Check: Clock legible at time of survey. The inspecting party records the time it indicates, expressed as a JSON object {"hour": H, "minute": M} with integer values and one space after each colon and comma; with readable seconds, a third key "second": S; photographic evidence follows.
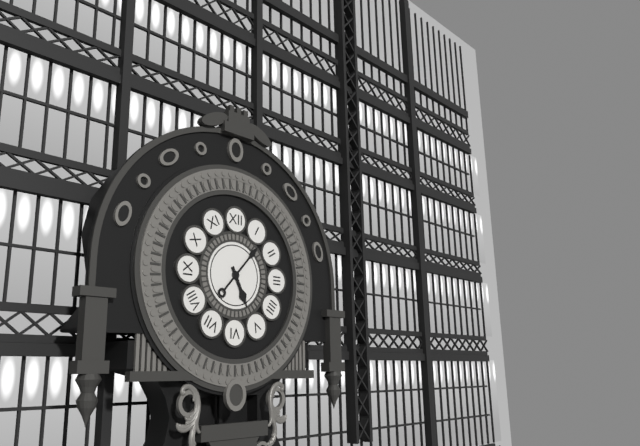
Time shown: {"hour": 5, "minute": 7}
